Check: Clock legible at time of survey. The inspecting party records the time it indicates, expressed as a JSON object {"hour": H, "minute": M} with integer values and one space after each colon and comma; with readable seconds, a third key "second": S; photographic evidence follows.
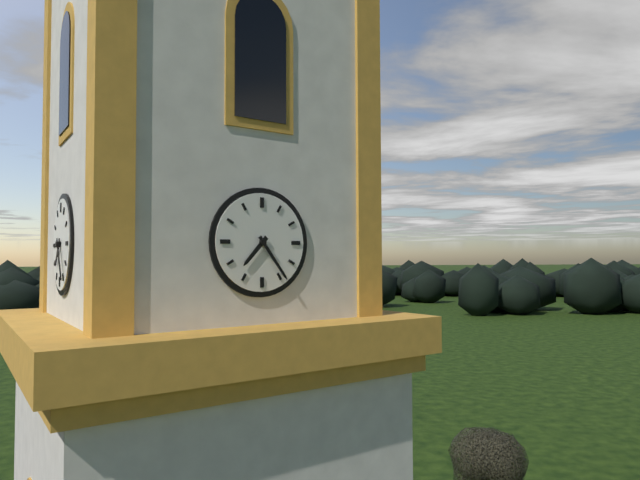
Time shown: {"hour": 7, "minute": 24}
